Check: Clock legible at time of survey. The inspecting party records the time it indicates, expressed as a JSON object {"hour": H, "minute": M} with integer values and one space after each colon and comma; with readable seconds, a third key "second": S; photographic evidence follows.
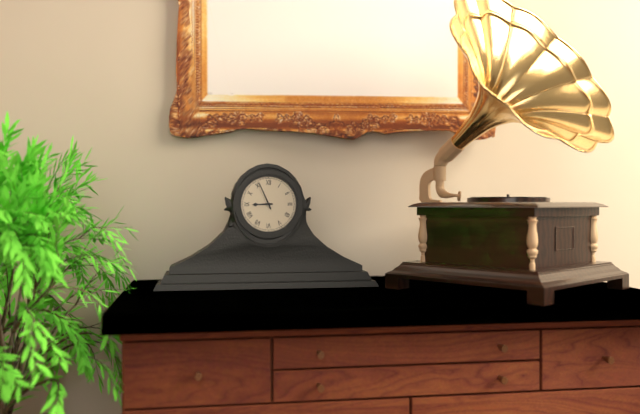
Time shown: {"hour": 8, "minute": 56}
